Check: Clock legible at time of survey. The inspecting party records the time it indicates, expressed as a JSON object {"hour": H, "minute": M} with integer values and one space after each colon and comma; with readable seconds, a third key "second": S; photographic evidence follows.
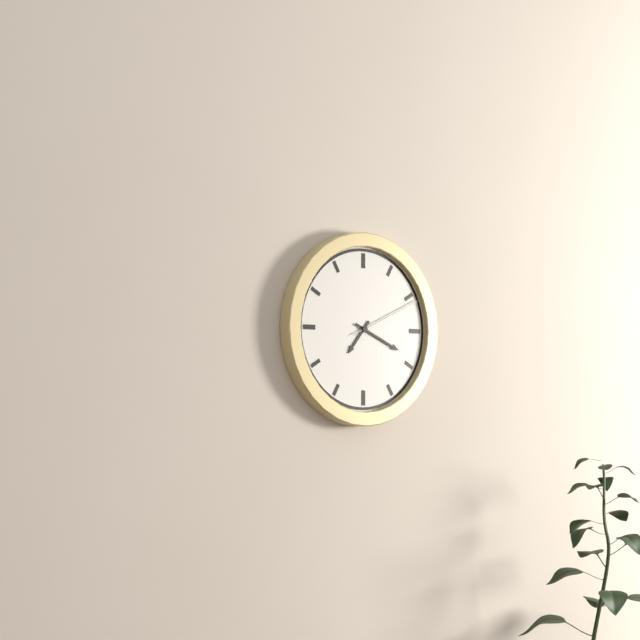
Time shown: {"hour": 7, "minute": 19, "second": 11}
